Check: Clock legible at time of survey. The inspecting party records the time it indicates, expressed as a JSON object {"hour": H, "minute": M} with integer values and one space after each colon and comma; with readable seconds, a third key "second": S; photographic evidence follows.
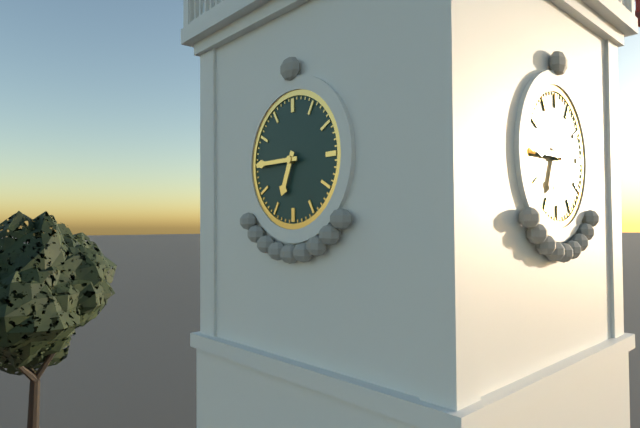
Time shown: {"hour": 6, "minute": 45}
